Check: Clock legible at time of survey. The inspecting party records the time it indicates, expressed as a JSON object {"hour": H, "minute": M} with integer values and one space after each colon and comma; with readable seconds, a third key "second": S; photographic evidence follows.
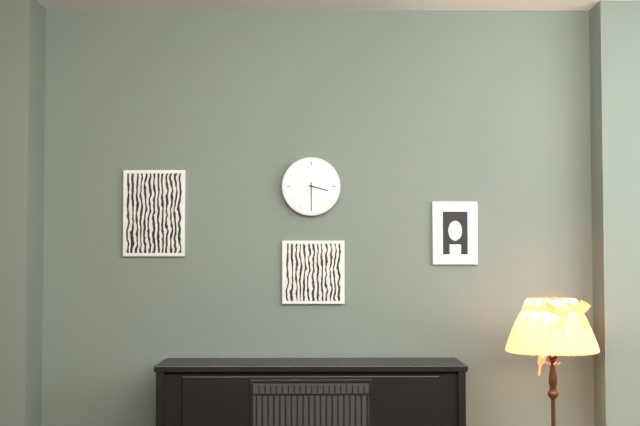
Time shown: {"hour": 3, "minute": 30}
